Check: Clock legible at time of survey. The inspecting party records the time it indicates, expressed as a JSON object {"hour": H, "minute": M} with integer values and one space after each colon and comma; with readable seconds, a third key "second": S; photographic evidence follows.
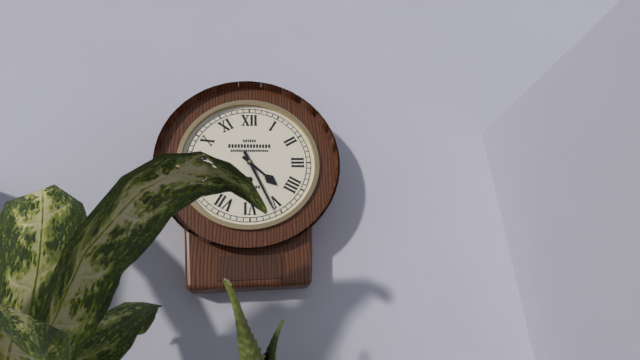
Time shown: {"hour": 4, "minute": 26}
